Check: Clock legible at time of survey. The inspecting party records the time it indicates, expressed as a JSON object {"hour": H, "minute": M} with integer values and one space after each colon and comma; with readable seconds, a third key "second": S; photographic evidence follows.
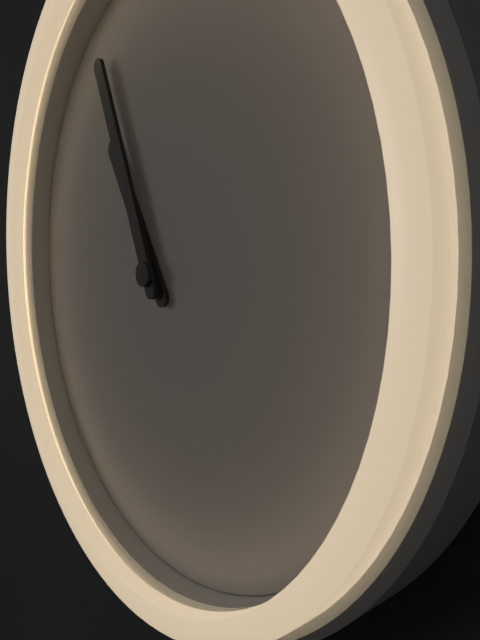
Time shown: {"hour": 10, "minute": 56}
